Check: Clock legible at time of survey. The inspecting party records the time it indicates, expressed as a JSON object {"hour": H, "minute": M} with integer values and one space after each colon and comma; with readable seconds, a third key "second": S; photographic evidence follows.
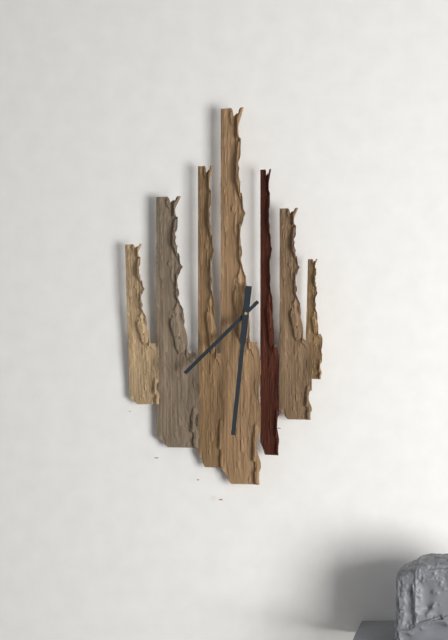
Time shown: {"hour": 7, "minute": 31}
